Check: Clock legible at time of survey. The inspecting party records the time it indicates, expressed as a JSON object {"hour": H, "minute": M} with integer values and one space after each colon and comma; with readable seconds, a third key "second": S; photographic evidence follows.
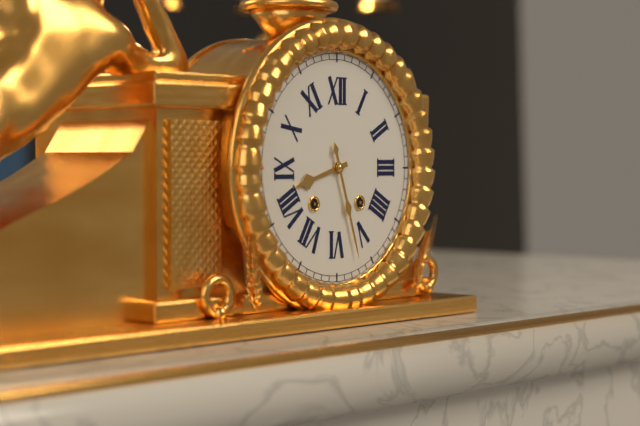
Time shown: {"hour": 8, "minute": 27}
